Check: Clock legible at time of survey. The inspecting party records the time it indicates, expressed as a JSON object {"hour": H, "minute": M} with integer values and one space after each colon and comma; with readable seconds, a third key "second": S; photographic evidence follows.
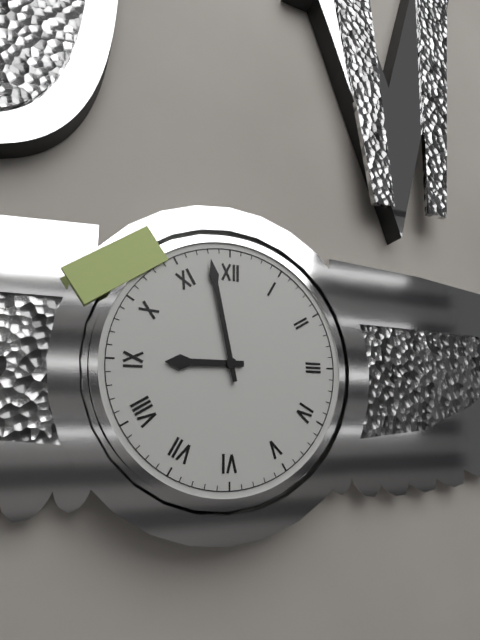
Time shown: {"hour": 8, "minute": 58}
